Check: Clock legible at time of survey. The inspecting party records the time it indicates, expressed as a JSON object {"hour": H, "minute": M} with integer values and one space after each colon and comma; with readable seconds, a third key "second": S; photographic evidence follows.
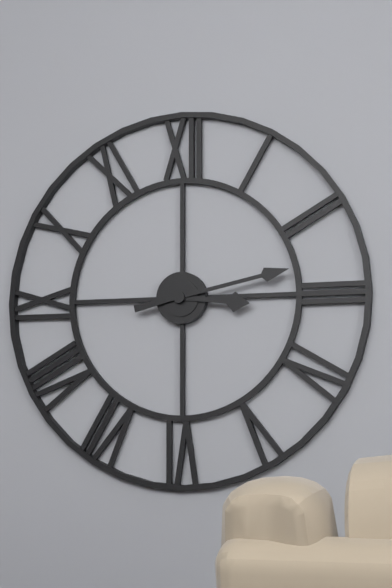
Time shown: {"hour": 3, "minute": 13}
